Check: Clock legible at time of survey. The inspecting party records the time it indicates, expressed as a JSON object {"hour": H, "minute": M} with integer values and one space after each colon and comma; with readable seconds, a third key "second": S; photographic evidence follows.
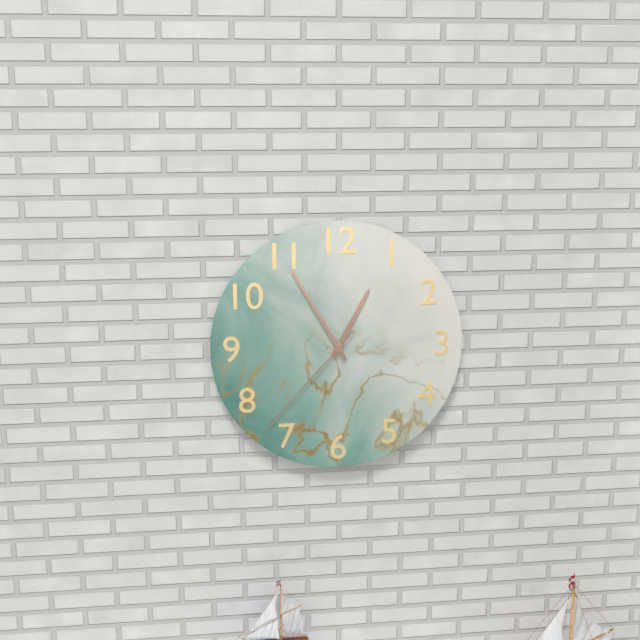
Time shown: {"hour": 12, "minute": 55, "second": 37}
